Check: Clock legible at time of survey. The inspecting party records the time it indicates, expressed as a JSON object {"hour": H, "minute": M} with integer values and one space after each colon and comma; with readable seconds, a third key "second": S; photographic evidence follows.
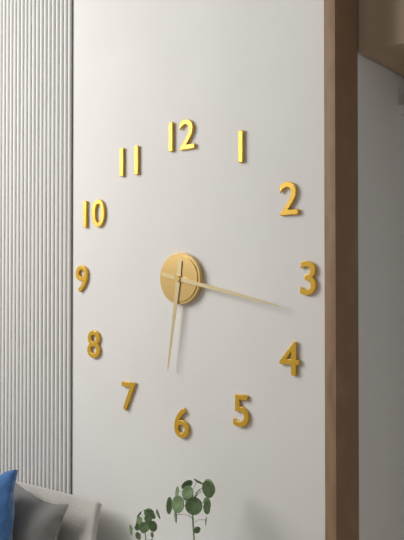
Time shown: {"hour": 6, "minute": 17}
